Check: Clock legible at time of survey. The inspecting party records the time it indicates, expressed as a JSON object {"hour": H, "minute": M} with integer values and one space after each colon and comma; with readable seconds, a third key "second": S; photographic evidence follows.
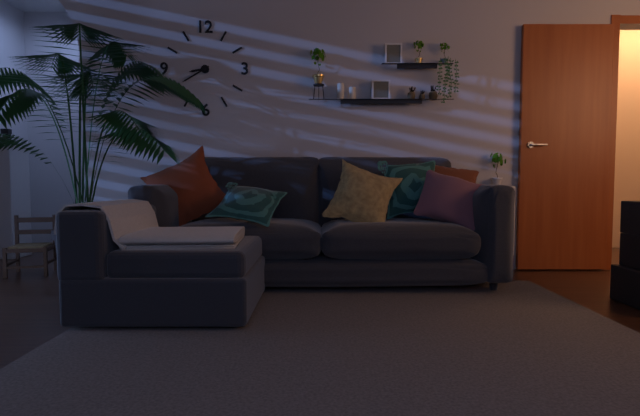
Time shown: {"hour": 8, "minute": 40}
